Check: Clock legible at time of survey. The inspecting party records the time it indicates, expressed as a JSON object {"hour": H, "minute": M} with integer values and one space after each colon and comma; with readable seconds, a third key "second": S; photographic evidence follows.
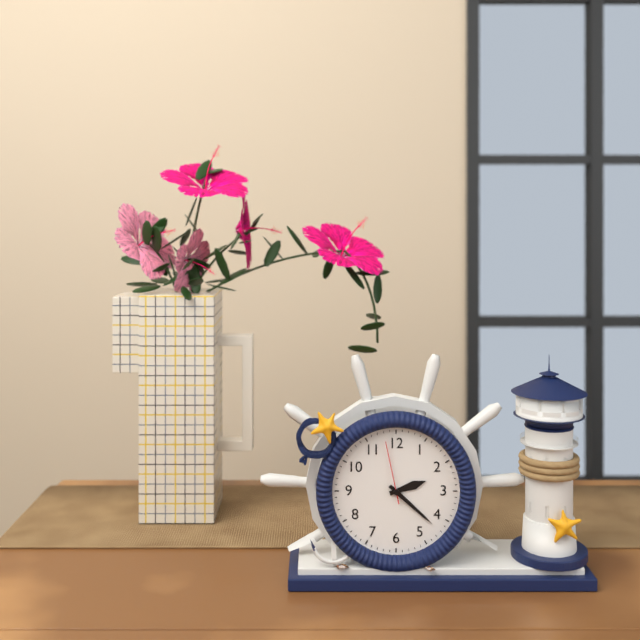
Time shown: {"hour": 2, "minute": 22, "second": 58}
